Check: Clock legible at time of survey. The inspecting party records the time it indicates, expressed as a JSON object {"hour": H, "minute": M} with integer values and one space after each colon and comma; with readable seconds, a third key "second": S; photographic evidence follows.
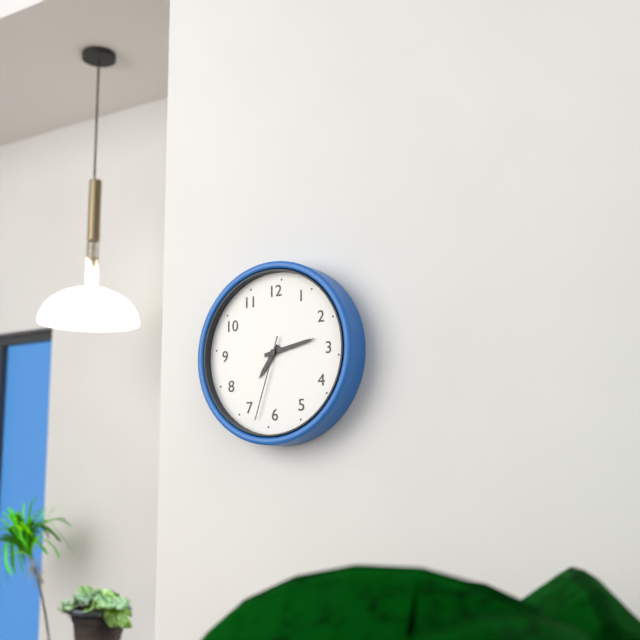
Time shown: {"hour": 7, "minute": 13, "second": 33}
